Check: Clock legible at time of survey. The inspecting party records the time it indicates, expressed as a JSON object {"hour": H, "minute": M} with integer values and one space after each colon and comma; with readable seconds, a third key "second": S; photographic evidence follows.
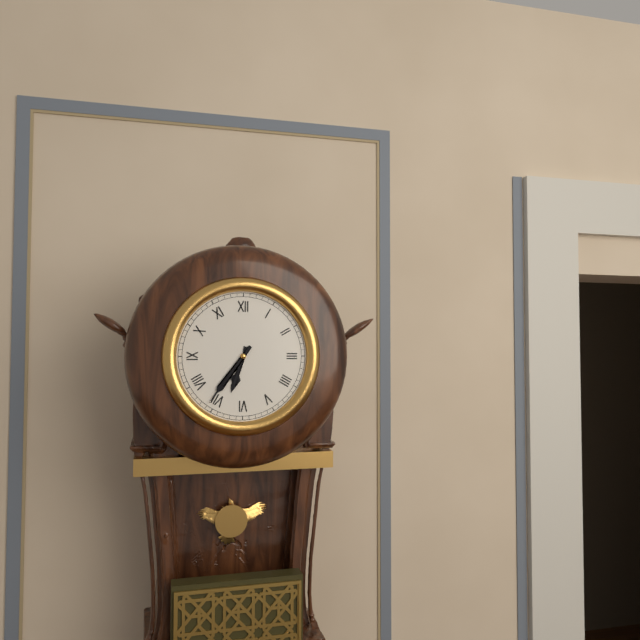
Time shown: {"hour": 6, "minute": 36}
